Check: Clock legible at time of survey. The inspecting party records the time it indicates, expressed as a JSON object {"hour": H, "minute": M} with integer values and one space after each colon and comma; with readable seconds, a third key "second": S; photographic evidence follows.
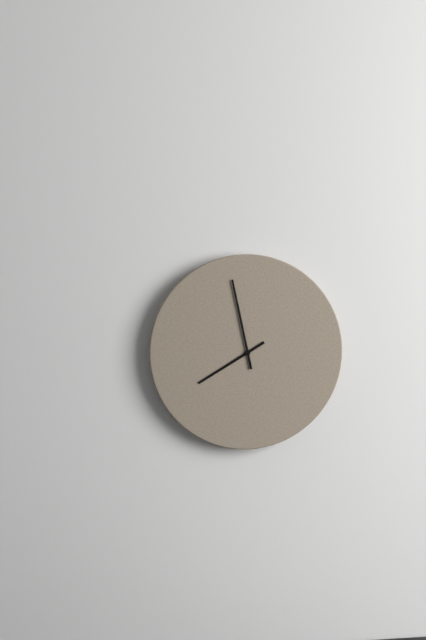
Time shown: {"hour": 7, "minute": 58}
